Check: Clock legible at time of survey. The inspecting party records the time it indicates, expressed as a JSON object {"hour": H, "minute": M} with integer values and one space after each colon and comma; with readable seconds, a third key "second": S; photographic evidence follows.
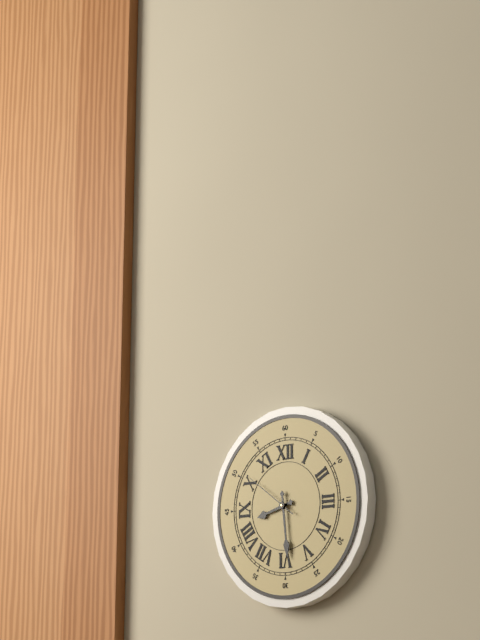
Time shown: {"hour": 8, "minute": 29, "second": 51}
